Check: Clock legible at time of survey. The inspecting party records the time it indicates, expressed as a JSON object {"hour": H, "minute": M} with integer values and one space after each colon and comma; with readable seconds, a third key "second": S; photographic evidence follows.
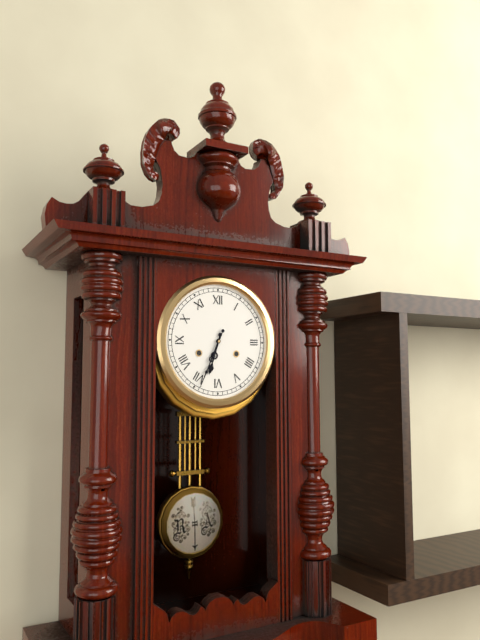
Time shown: {"hour": 6, "minute": 34}
